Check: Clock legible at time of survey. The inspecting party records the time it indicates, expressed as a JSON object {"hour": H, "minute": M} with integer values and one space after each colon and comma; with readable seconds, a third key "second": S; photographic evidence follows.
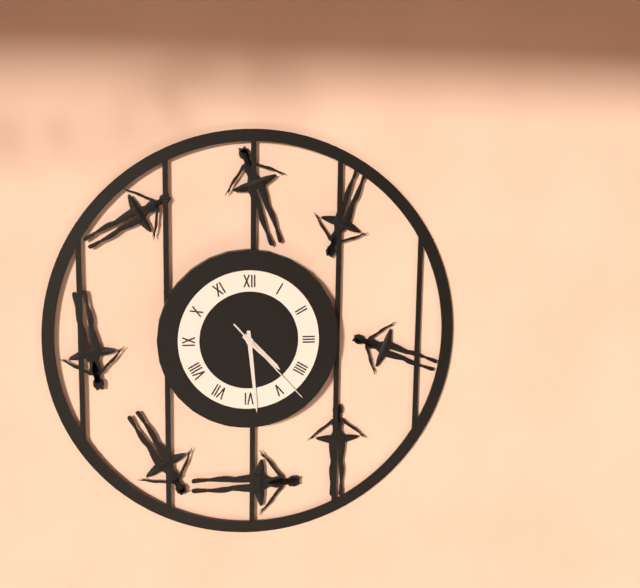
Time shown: {"hour": 4, "minute": 29, "second": 23}
